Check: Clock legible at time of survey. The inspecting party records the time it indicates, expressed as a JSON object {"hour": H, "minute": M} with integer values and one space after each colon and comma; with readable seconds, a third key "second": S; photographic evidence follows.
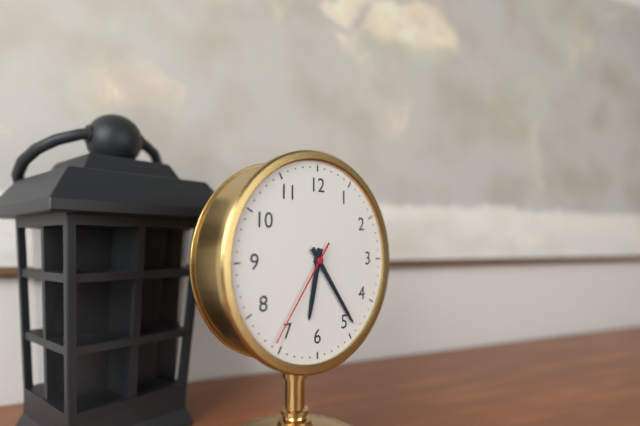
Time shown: {"hour": 6, "minute": 24, "second": 36}
